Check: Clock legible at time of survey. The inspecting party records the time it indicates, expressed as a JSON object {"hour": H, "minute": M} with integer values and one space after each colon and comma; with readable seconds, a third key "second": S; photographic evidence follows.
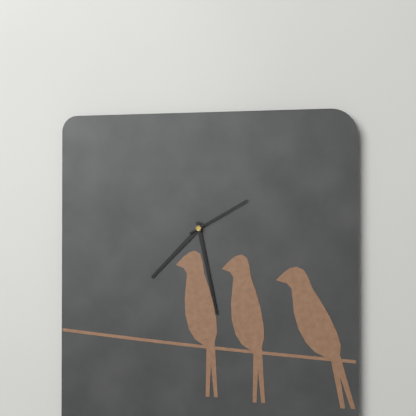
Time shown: {"hour": 7, "minute": 28, "second": 10}
